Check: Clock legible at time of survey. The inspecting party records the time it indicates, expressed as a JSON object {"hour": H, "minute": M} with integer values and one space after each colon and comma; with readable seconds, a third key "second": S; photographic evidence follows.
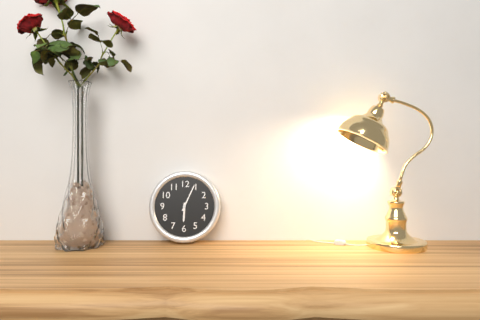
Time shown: {"hour": 6, "minute": 4}
